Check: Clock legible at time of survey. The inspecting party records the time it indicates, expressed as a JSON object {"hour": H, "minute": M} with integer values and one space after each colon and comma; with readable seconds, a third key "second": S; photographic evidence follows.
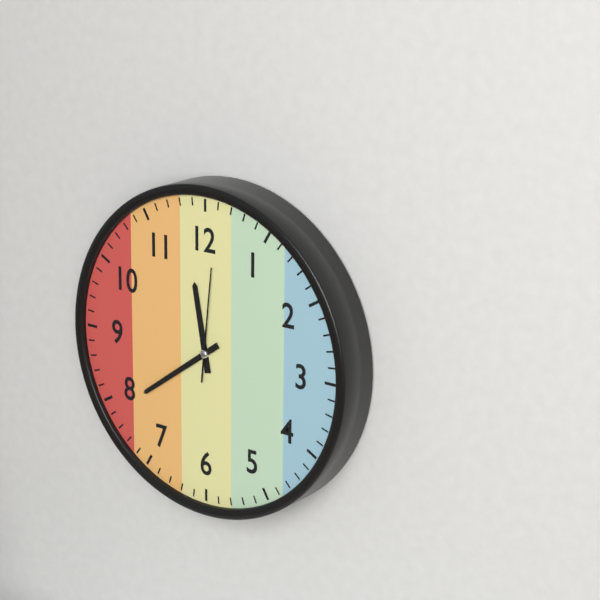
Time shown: {"hour": 11, "minute": 39, "second": 1}
